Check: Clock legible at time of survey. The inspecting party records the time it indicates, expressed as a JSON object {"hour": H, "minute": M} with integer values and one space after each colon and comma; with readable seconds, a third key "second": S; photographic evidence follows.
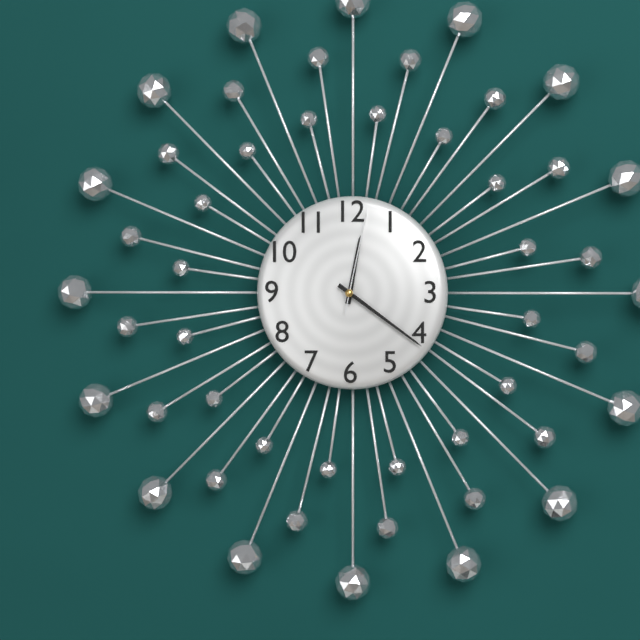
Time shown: {"hour": 12, "minute": 21, "second": 2}
